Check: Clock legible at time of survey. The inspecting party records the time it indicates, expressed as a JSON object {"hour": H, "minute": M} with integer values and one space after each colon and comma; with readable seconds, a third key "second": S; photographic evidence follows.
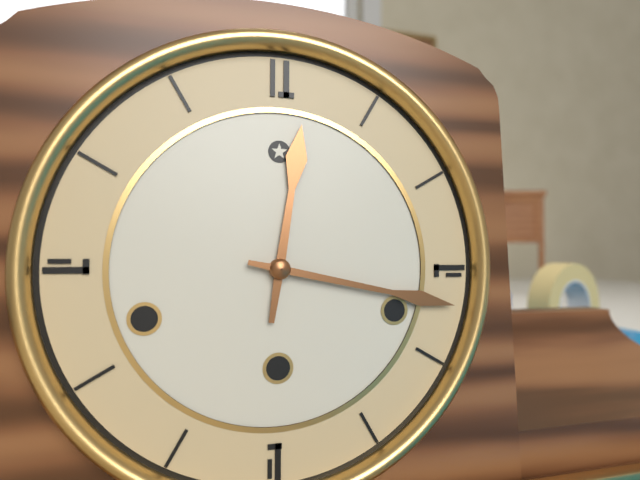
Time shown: {"hour": 12, "minute": 17}
